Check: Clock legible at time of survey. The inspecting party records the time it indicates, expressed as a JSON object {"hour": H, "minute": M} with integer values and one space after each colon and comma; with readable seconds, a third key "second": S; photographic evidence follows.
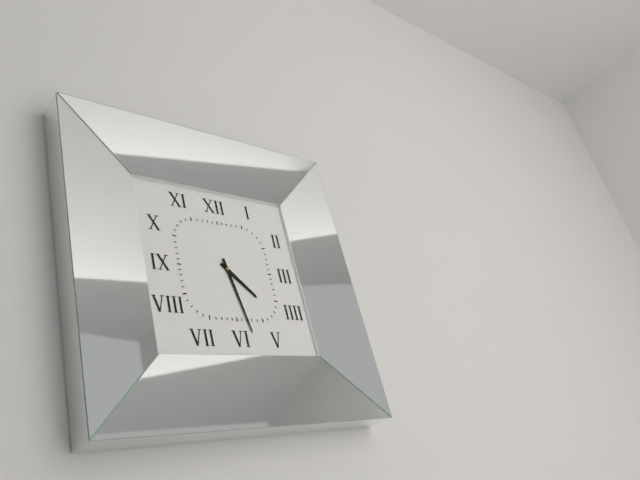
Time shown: {"hour": 4, "minute": 28}
